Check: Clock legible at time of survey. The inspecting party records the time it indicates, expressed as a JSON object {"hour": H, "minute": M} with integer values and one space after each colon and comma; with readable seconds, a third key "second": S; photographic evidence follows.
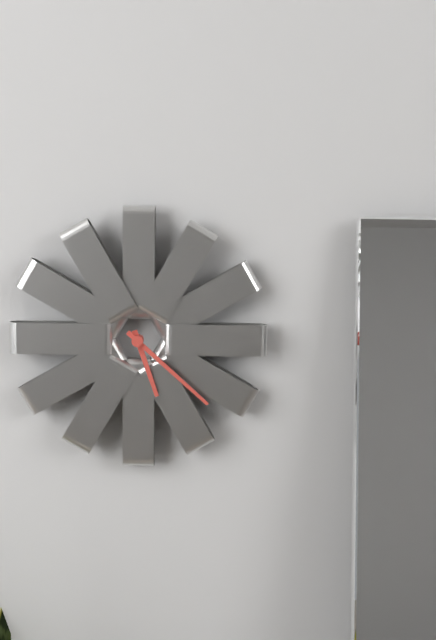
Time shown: {"hour": 5, "minute": 22}
